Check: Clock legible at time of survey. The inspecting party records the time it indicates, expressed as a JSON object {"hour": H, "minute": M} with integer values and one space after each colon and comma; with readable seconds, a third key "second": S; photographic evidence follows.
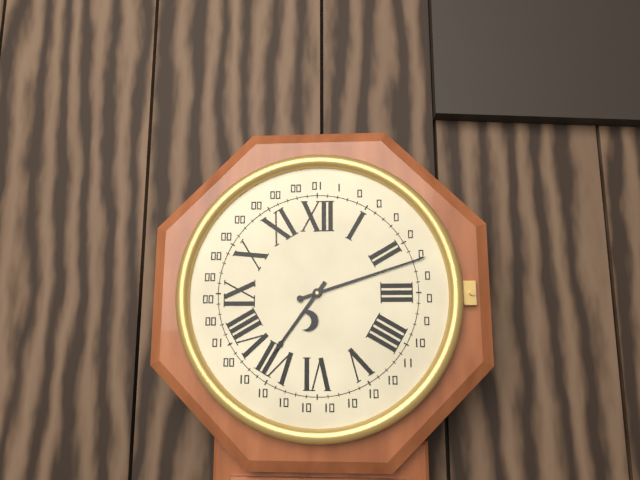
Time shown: {"hour": 7, "minute": 12}
